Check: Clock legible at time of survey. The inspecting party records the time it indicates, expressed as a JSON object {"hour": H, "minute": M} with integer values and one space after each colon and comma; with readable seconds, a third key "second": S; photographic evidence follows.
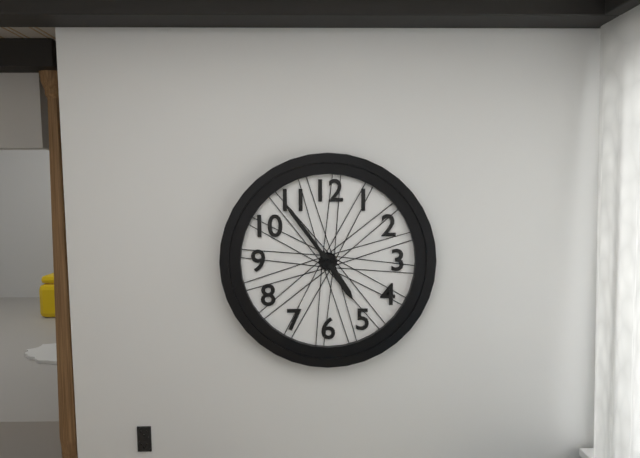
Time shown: {"hour": 4, "minute": 54}
